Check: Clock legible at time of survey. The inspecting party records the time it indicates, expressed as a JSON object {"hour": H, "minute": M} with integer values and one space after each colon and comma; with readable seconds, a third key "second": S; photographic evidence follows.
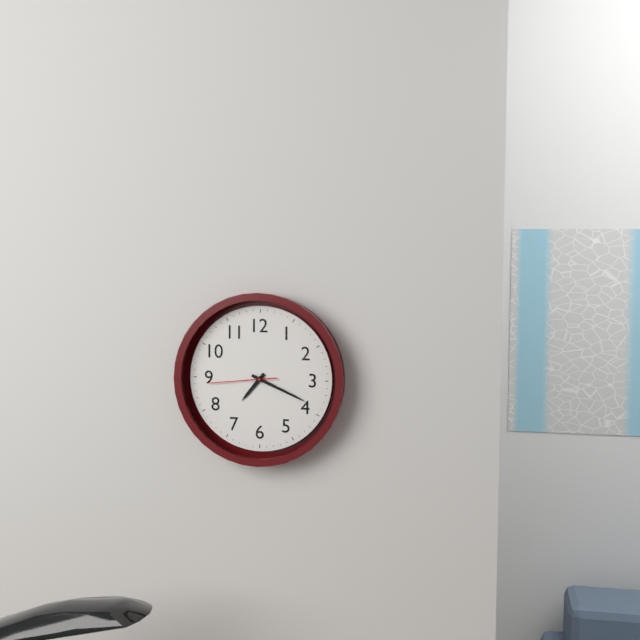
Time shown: {"hour": 7, "minute": 19, "second": 44}
